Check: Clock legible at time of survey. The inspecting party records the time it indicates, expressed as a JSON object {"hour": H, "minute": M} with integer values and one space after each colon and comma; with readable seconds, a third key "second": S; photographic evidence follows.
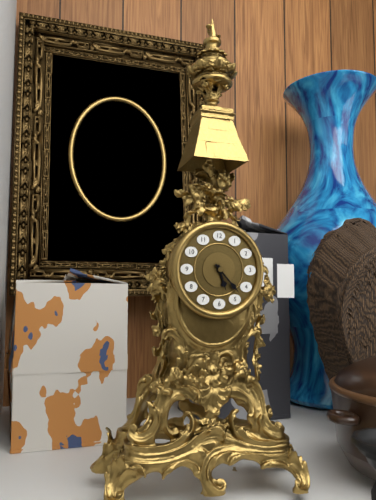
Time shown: {"hour": 5, "minute": 23}
